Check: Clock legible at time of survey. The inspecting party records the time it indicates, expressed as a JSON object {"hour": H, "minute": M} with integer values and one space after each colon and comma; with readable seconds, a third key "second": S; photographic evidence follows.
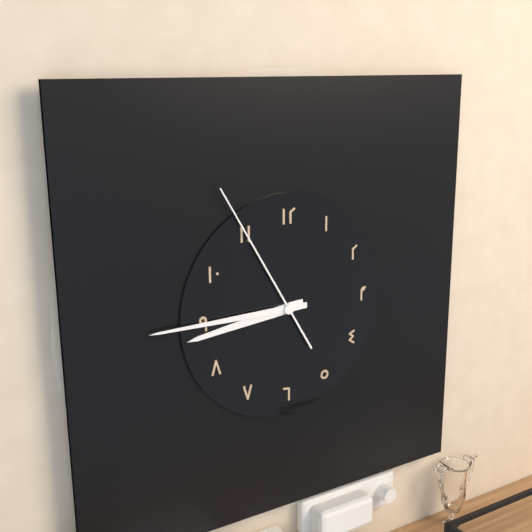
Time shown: {"hour": 8, "minute": 45, "second": 55}
